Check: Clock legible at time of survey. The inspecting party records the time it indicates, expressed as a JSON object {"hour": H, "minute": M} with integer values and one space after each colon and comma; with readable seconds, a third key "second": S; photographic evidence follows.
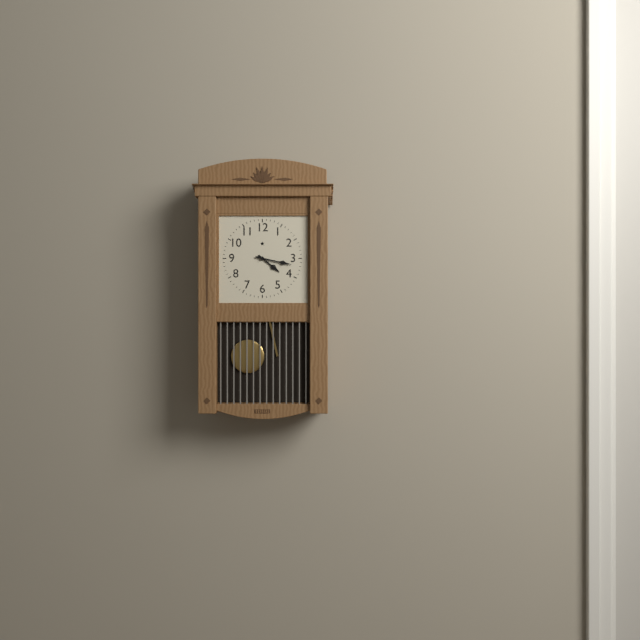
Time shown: {"hour": 4, "minute": 17}
